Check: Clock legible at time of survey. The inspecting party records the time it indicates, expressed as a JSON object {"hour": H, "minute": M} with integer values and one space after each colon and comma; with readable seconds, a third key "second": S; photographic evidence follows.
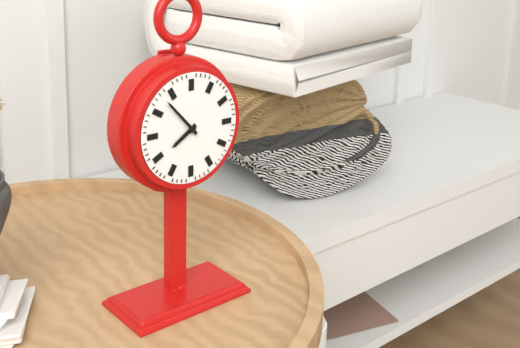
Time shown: {"hour": 7, "minute": 53}
